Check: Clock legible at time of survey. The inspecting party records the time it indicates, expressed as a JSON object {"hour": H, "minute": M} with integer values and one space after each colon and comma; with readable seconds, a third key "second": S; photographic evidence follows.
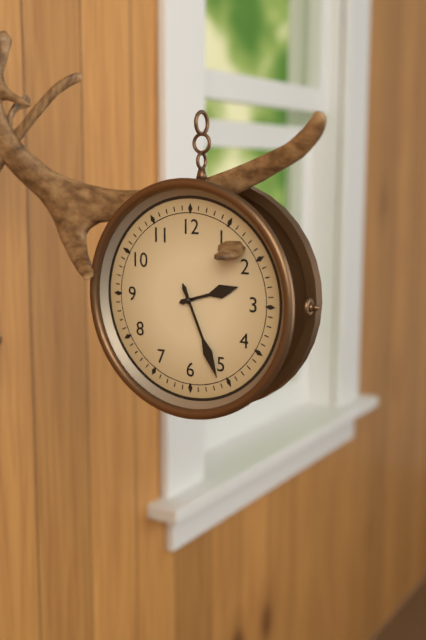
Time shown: {"hour": 2, "minute": 26}
